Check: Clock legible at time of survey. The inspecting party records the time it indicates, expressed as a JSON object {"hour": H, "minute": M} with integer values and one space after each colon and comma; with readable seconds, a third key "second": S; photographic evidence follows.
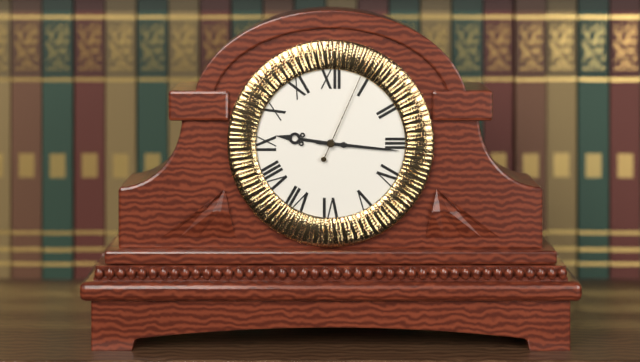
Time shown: {"hour": 9, "minute": 16, "second": 4}
